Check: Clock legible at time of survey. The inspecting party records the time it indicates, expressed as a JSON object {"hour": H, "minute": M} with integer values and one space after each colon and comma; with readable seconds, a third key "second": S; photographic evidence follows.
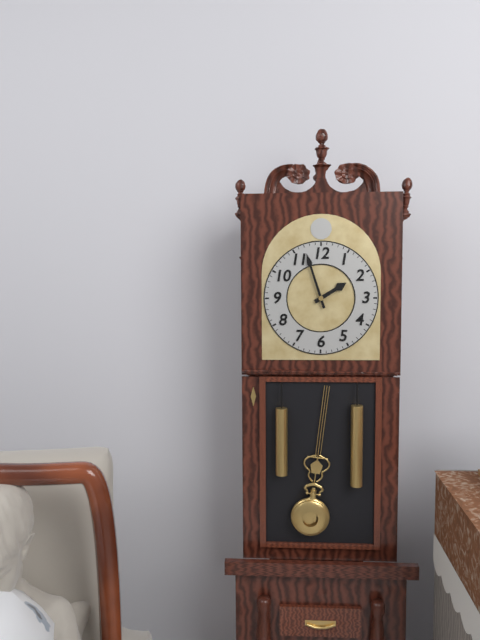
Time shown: {"hour": 1, "minute": 57}
